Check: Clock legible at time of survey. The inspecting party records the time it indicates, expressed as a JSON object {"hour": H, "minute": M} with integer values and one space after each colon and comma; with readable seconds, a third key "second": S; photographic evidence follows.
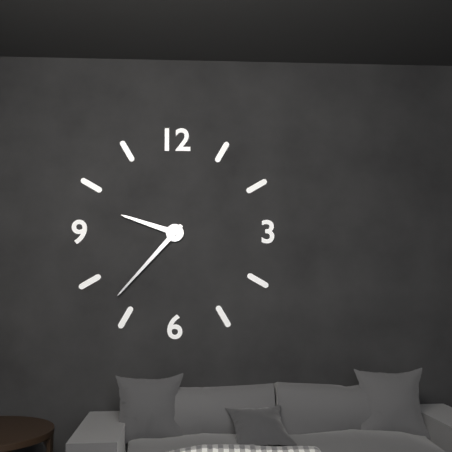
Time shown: {"hour": 9, "minute": 37}
